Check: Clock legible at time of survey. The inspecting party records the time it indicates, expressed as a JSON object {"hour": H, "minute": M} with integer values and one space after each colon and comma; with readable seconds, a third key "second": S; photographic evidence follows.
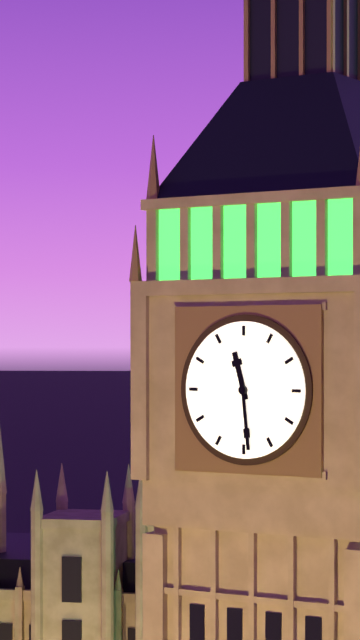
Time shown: {"hour": 11, "minute": 29}
